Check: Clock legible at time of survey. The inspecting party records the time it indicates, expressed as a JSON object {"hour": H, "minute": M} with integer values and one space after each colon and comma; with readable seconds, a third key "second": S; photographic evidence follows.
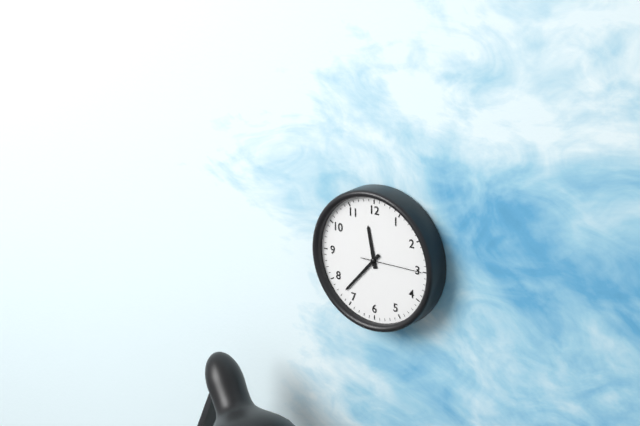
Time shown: {"hour": 11, "minute": 37}
